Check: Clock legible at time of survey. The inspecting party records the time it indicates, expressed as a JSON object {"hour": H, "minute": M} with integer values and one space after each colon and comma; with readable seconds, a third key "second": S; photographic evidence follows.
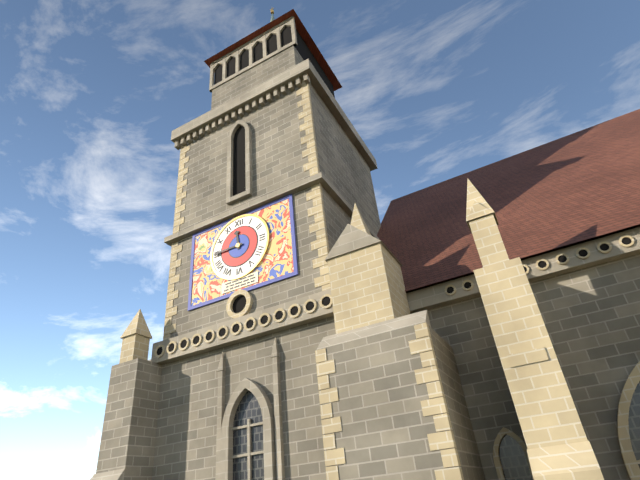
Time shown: {"hour": 11, "minute": 45}
